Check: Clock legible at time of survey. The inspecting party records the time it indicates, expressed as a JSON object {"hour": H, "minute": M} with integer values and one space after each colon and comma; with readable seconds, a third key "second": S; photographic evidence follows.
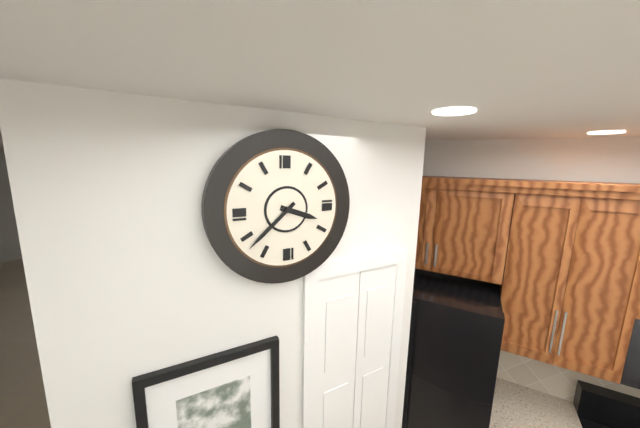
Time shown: {"hour": 3, "minute": 38}
